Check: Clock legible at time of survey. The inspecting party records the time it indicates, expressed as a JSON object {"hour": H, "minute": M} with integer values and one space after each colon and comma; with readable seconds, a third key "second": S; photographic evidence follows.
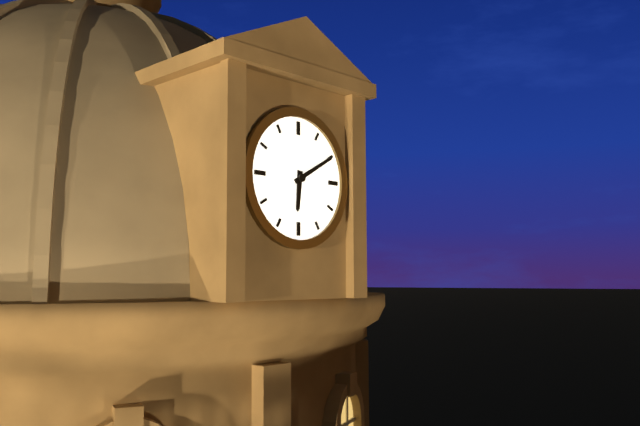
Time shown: {"hour": 6, "minute": 10}
